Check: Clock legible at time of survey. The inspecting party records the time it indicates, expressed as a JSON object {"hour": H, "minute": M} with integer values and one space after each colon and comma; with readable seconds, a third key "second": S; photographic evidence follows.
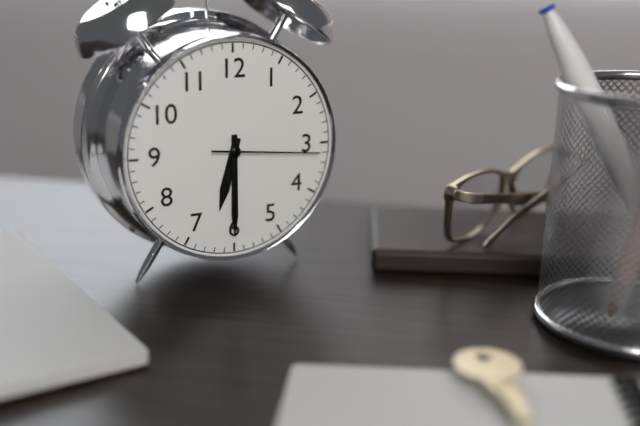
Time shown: {"hour": 6, "minute": 30, "second": 16}
